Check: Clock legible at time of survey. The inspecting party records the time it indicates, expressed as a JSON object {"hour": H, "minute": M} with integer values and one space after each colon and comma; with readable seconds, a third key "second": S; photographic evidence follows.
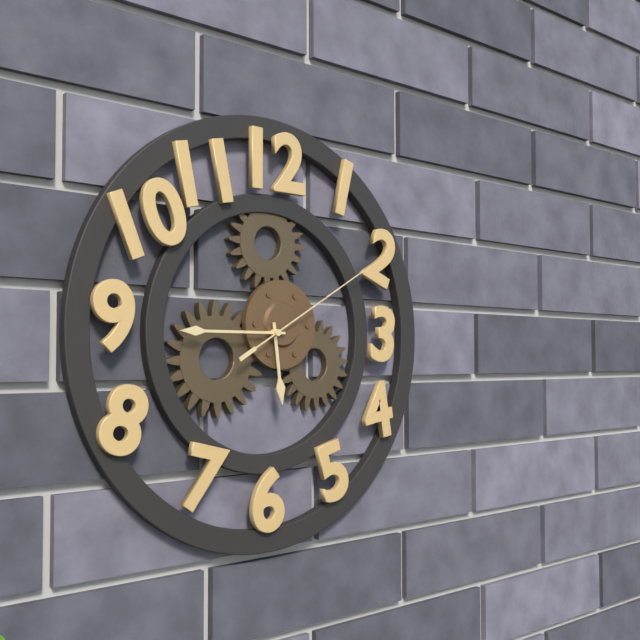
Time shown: {"hour": 5, "minute": 45, "second": 10}
